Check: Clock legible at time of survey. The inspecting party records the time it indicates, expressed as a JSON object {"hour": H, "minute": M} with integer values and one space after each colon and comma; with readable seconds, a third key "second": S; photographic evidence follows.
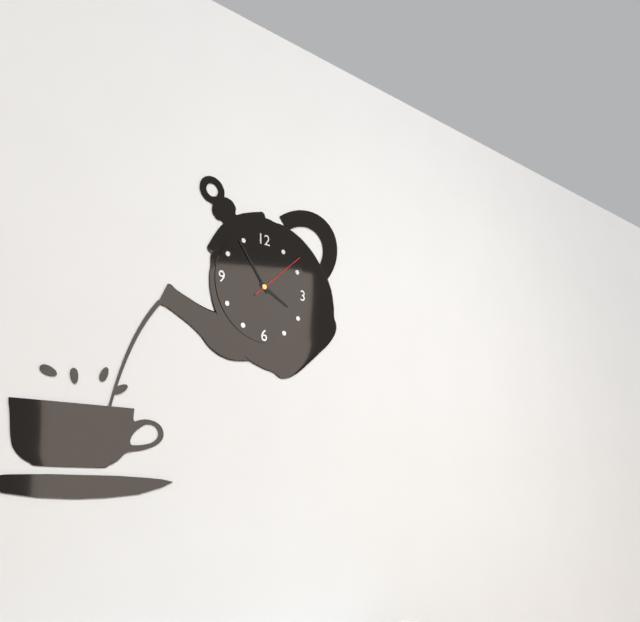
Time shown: {"hour": 3, "minute": 54, "second": 8}
